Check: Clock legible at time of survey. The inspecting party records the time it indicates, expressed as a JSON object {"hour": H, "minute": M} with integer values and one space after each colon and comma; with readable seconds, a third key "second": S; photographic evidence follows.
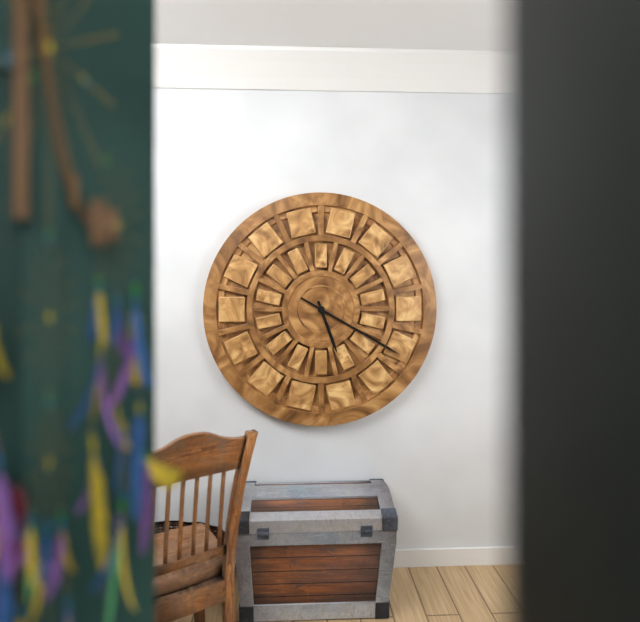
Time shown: {"hour": 5, "minute": 20}
